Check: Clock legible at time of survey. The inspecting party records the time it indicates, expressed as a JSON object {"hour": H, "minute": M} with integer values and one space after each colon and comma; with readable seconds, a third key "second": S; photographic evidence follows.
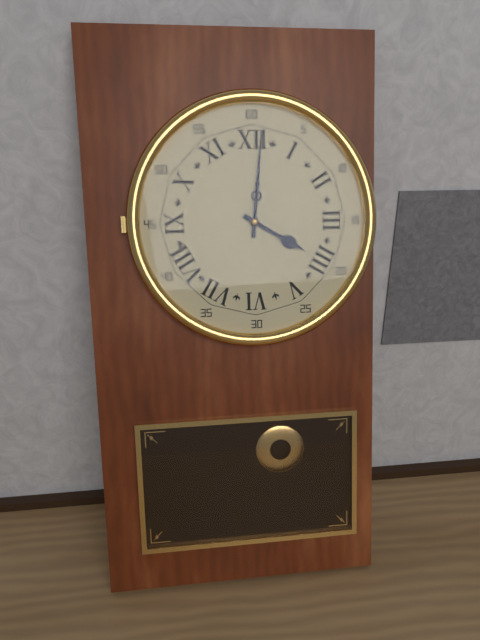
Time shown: {"hour": 4, "minute": 1}
